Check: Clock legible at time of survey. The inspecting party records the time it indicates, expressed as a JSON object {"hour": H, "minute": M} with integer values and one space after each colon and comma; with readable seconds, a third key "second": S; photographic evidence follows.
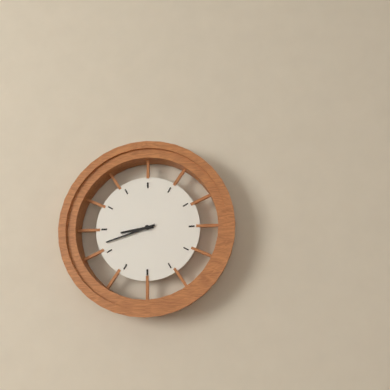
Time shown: {"hour": 8, "minute": 42}
